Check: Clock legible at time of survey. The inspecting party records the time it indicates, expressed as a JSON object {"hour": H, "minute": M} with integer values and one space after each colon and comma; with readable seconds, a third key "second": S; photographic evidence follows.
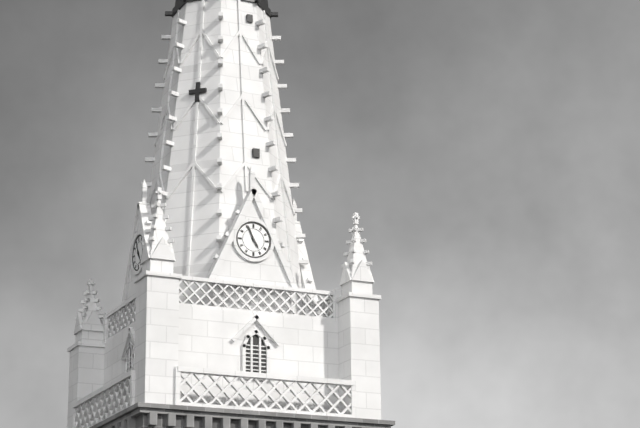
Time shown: {"hour": 4, "minute": 56}
